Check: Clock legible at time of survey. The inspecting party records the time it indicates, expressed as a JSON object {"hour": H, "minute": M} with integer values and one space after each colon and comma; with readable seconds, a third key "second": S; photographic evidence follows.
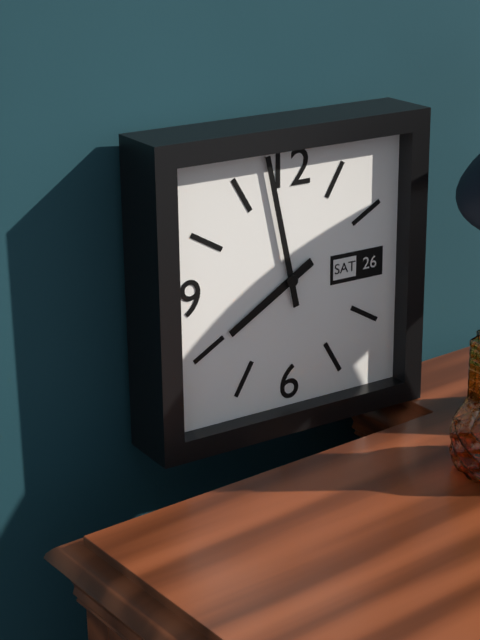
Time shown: {"hour": 7, "minute": 58}
